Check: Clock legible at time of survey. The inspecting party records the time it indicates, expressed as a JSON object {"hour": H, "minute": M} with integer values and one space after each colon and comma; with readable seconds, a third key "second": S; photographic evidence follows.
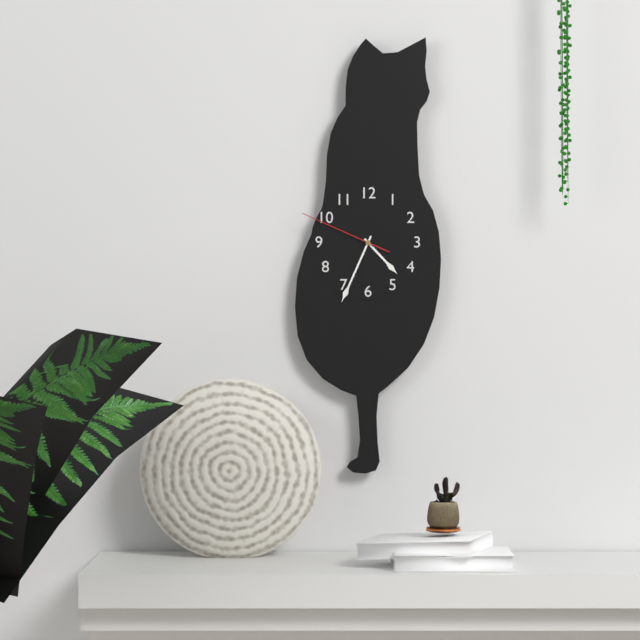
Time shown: {"hour": 4, "minute": 34, "second": 49}
